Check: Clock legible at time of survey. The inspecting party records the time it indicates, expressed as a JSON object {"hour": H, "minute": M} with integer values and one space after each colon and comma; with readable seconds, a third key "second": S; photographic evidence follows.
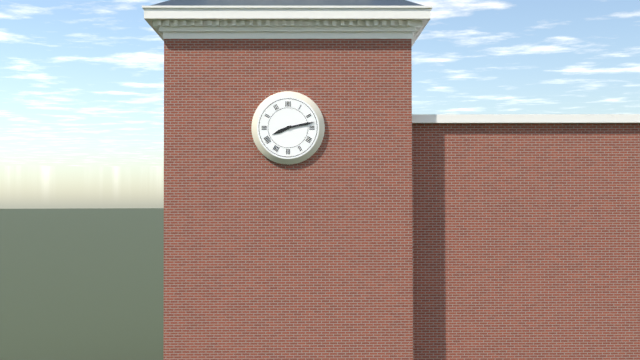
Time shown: {"hour": 8, "minute": 13}
